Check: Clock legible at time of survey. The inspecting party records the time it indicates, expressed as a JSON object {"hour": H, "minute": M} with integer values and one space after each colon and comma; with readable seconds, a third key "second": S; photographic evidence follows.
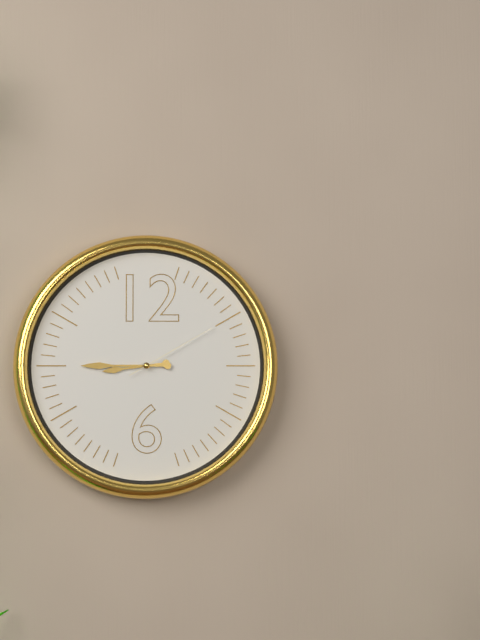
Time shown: {"hour": 8, "minute": 45, "second": 10}
